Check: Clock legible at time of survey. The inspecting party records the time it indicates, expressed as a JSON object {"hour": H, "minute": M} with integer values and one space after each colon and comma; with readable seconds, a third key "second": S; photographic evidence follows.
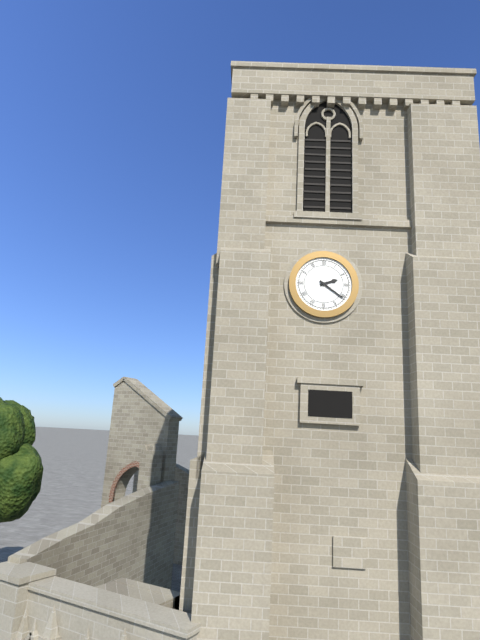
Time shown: {"hour": 2, "minute": 21}
